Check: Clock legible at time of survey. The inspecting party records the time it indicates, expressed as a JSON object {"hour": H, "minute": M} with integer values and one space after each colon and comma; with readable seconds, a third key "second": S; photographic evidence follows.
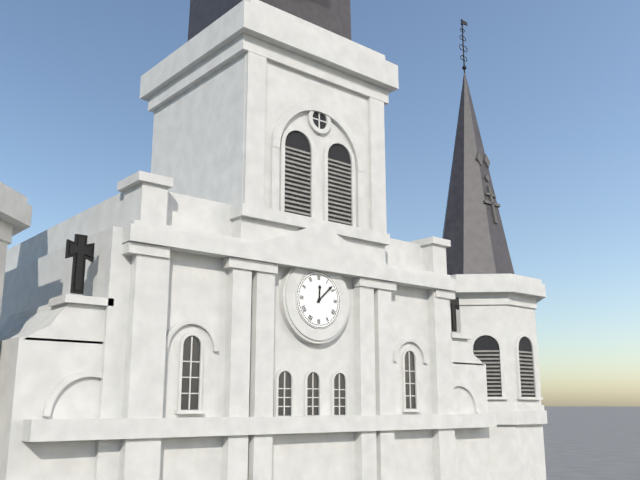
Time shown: {"hour": 12, "minute": 8}
